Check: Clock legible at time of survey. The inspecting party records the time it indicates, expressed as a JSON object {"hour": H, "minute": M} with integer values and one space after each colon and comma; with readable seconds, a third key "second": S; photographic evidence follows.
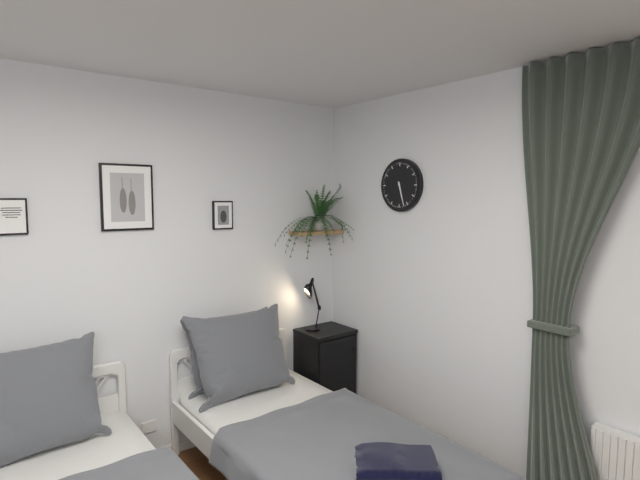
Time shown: {"hour": 5, "minute": 27}
